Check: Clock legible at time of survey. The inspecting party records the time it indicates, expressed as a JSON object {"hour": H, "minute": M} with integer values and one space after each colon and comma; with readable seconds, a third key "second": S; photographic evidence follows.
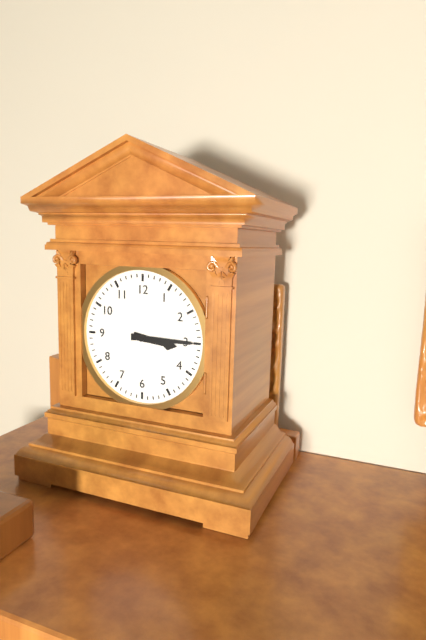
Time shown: {"hour": 3, "minute": 15}
